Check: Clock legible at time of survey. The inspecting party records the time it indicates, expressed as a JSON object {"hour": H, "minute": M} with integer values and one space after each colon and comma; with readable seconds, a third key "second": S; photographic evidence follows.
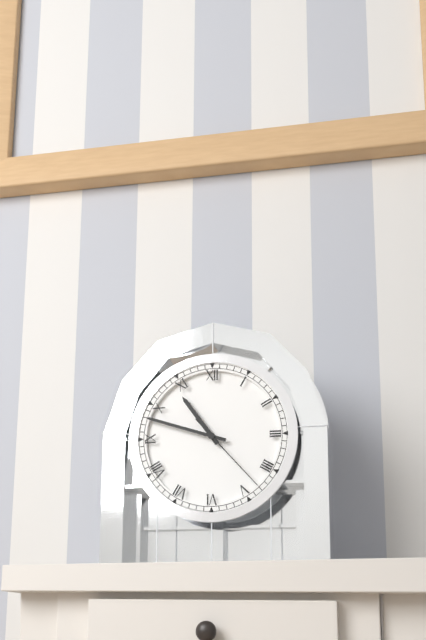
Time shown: {"hour": 10, "minute": 48}
